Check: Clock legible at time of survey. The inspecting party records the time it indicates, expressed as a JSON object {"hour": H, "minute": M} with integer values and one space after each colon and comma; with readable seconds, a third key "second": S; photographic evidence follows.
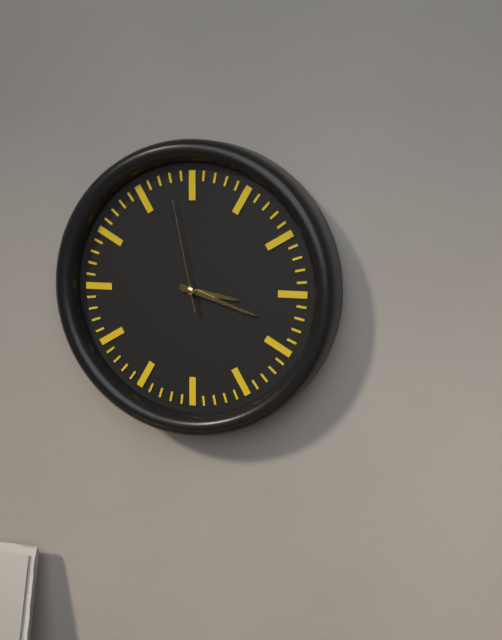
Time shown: {"hour": 3, "minute": 18, "second": 58}
